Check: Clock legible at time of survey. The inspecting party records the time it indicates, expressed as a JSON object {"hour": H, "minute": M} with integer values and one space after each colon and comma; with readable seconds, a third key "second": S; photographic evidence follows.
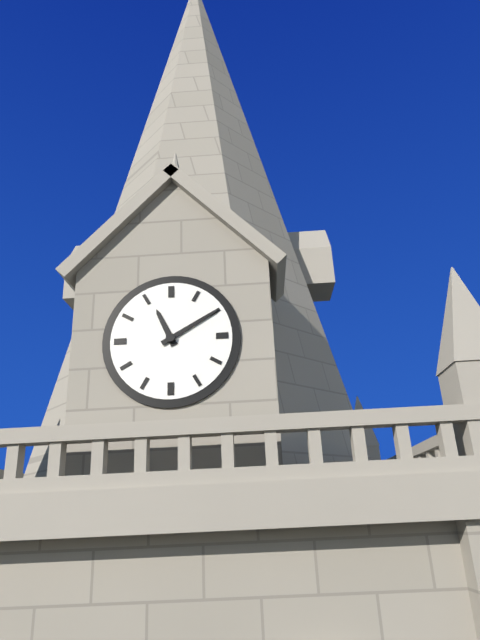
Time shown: {"hour": 11, "minute": 10}
